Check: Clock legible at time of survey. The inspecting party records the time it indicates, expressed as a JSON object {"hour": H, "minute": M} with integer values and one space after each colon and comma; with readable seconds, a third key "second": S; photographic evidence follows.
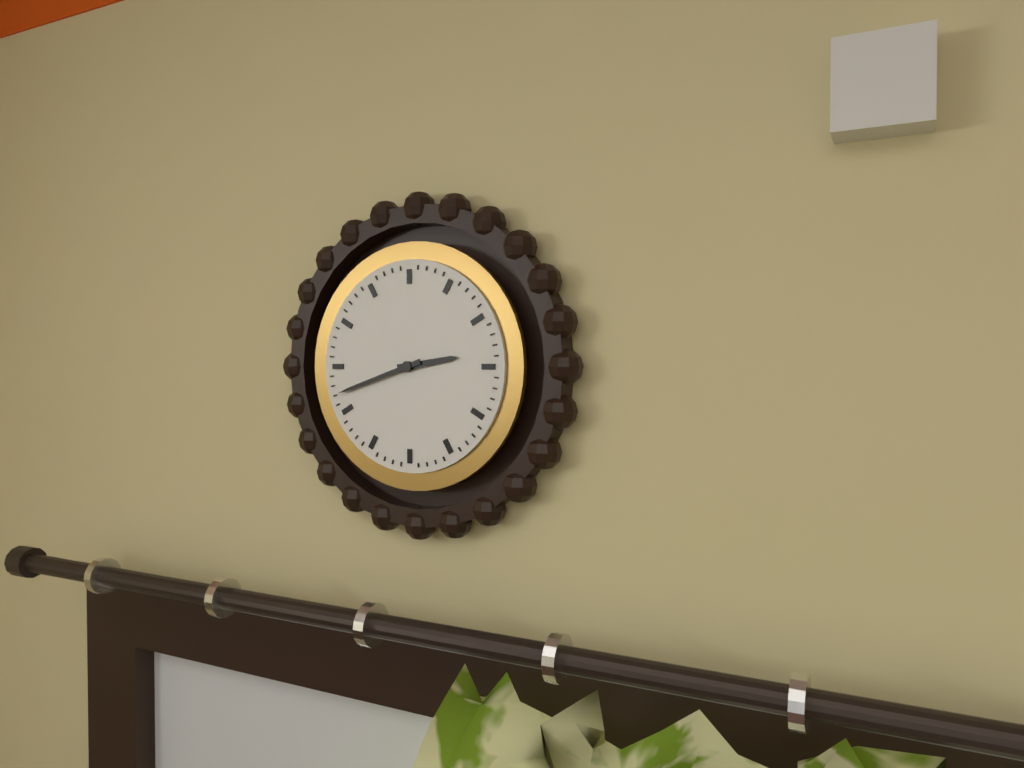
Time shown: {"hour": 2, "minute": 42}
